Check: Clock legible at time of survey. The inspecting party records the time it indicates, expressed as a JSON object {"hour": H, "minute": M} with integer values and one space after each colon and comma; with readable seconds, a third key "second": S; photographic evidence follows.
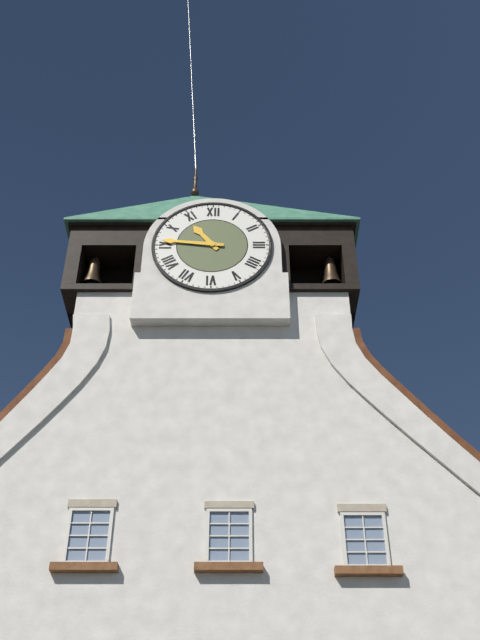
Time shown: {"hour": 10, "minute": 46}
